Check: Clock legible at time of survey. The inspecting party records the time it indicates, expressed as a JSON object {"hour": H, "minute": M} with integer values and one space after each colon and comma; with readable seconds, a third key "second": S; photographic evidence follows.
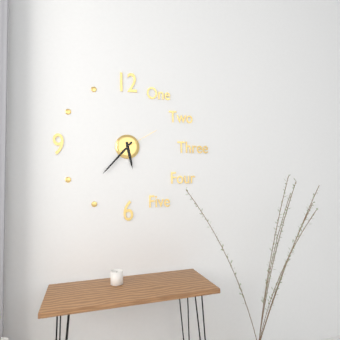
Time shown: {"hour": 5, "minute": 37}
